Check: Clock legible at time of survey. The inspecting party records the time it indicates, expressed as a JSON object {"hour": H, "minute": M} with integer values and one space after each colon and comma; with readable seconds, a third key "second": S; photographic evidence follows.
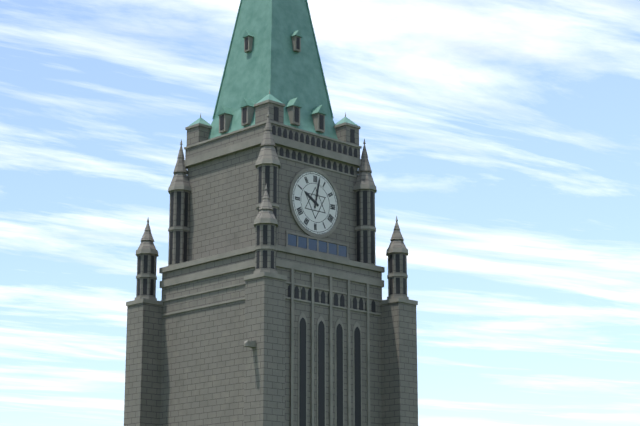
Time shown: {"hour": 10, "minute": 2}
